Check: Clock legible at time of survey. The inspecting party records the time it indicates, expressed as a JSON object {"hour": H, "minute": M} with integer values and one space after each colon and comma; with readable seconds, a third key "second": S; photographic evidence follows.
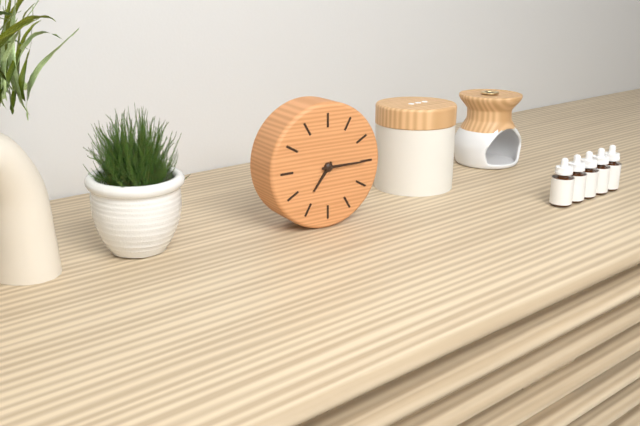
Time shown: {"hour": 7, "minute": 15}
